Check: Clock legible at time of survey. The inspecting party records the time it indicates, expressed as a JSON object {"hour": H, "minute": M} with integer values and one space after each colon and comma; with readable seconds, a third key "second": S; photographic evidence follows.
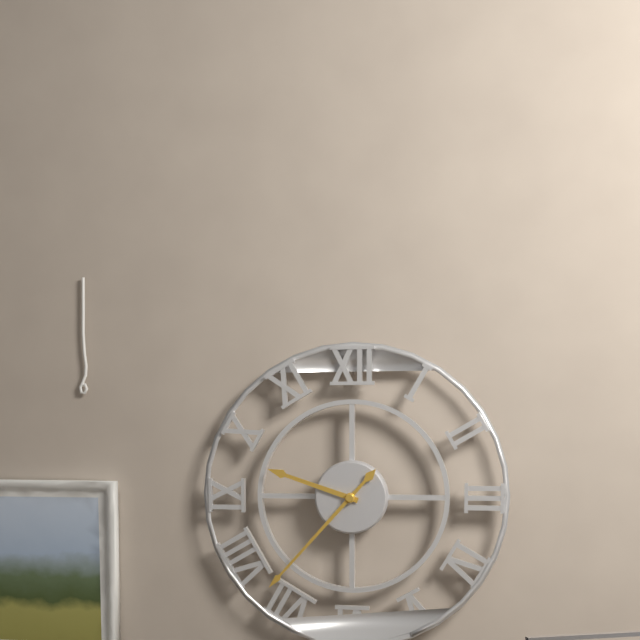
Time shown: {"hour": 9, "minute": 37}
